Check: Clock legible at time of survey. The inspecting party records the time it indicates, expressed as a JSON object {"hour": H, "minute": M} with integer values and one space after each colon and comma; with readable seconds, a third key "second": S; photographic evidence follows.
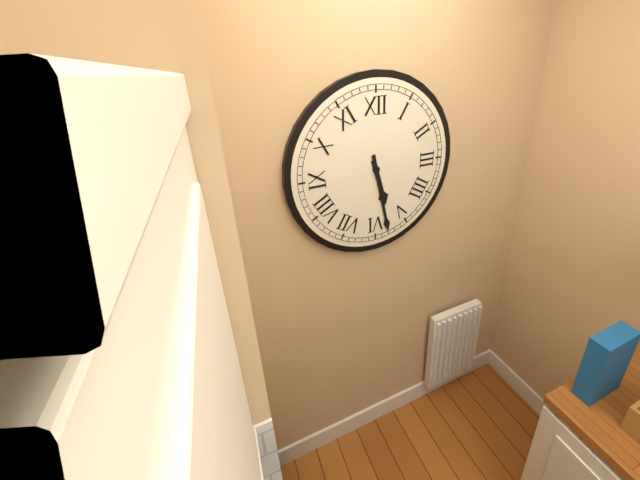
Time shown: {"hour": 5, "minute": 28}
